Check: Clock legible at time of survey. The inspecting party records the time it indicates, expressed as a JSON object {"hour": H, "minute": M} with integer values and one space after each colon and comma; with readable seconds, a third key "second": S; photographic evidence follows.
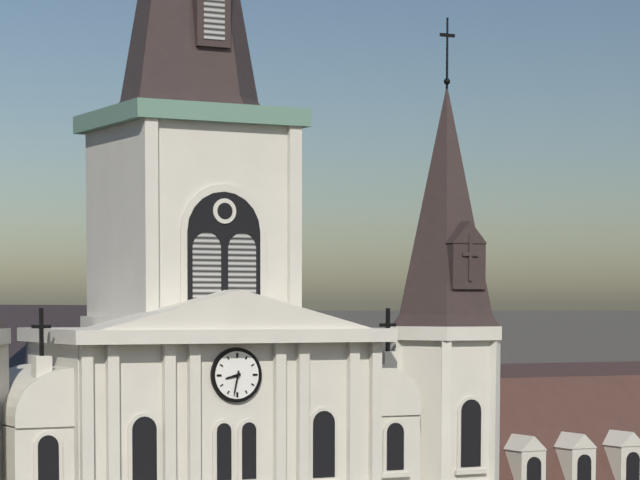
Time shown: {"hour": 8, "minute": 32}
